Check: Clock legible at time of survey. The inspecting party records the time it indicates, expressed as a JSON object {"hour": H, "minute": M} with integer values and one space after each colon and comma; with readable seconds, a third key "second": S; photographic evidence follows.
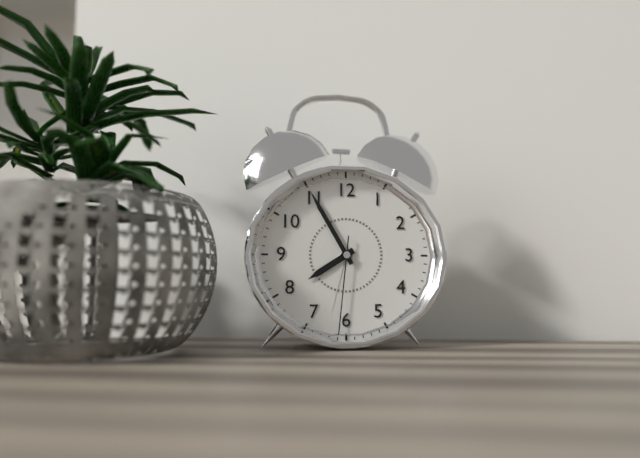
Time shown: {"hour": 7, "minute": 55, "second": 31}
